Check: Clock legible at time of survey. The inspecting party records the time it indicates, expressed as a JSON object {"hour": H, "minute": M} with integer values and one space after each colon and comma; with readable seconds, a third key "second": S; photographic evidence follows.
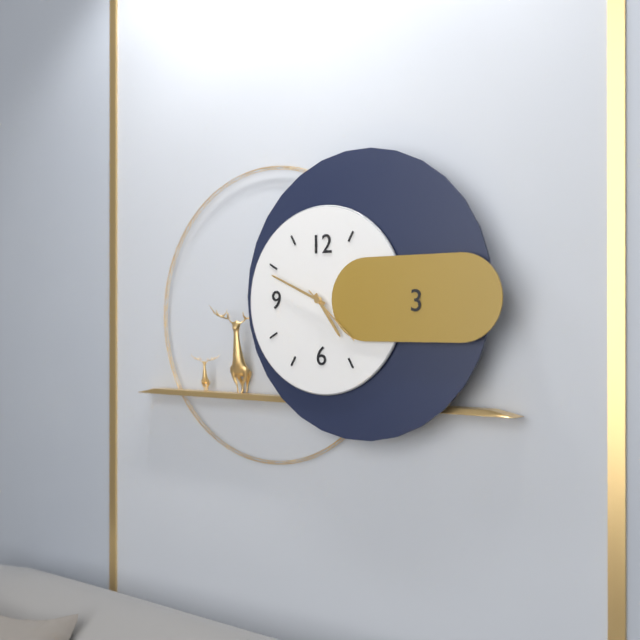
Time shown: {"hour": 4, "minute": 49, "second": 22}
